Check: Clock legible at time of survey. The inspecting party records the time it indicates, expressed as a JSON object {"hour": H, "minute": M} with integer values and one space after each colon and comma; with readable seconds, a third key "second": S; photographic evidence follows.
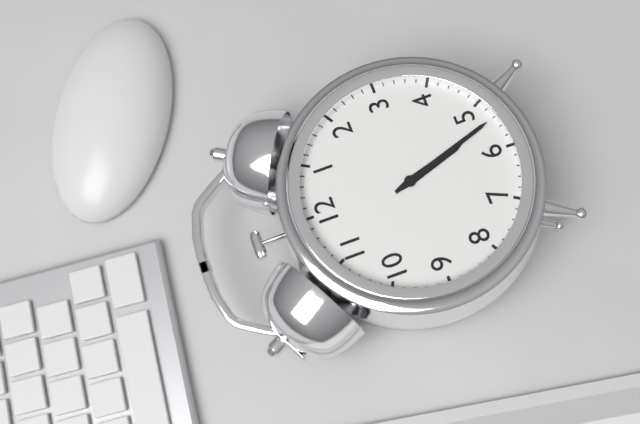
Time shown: {"hour": 5, "minute": 27}
